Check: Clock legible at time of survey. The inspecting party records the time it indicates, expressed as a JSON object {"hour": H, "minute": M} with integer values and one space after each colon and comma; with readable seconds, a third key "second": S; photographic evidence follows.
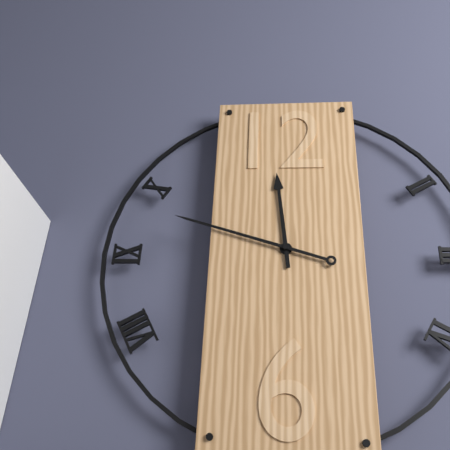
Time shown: {"hour": 11, "minute": 48}
